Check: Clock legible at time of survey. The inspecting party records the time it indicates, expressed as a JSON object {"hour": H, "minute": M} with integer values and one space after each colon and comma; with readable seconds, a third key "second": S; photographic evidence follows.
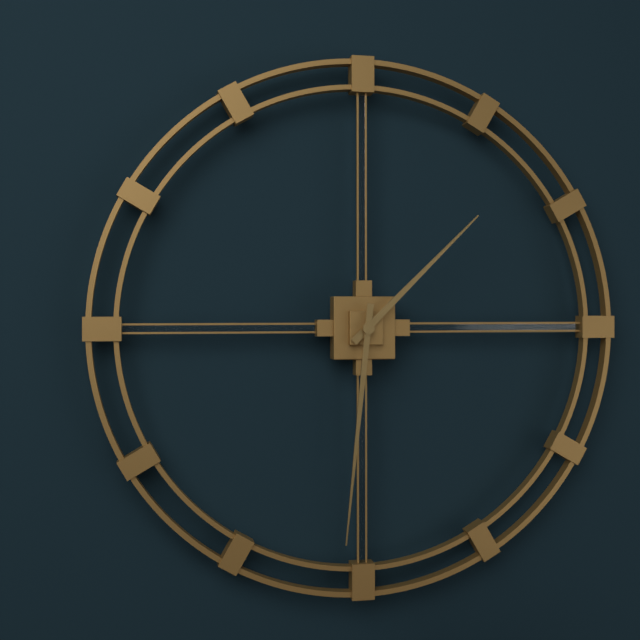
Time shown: {"hour": 1, "minute": 31}
